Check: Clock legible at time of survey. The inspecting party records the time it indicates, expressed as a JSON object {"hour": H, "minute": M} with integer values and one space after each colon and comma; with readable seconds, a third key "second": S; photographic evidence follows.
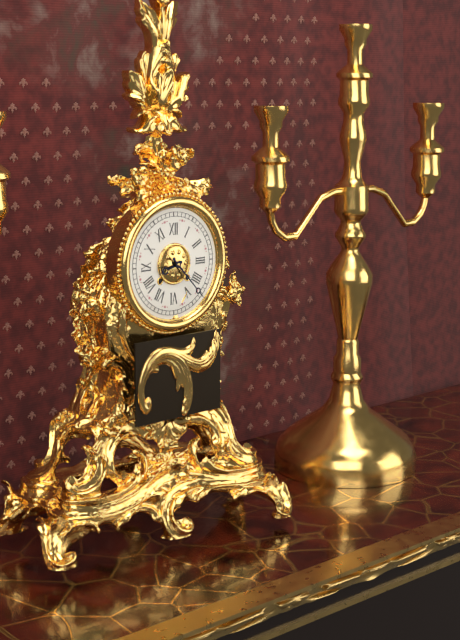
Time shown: {"hour": 8, "minute": 23}
